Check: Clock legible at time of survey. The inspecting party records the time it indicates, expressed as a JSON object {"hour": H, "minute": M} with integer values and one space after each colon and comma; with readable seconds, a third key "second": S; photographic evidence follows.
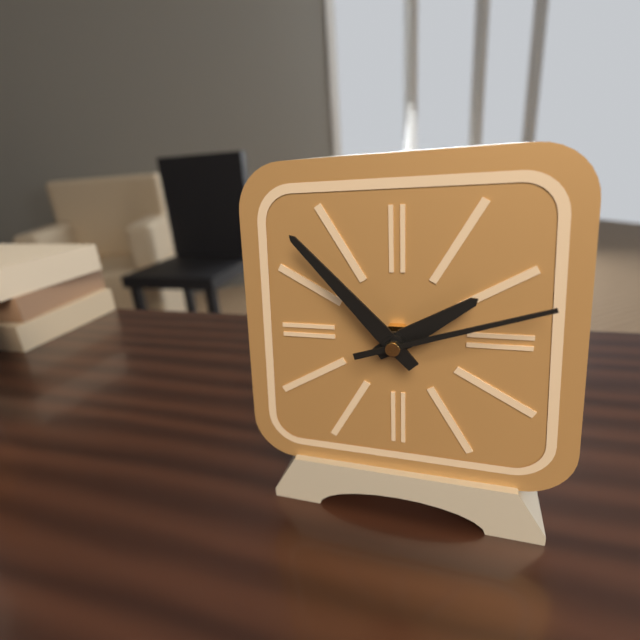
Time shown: {"hour": 1, "minute": 53, "second": 12}
